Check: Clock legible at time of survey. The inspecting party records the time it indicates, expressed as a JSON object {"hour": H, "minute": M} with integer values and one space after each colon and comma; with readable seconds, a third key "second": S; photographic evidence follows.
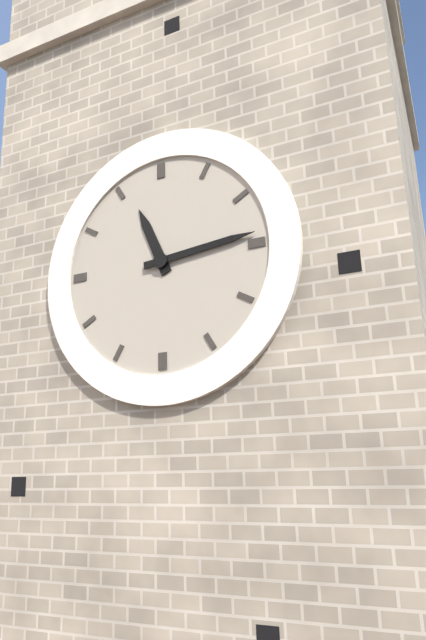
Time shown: {"hour": 11, "minute": 14}
